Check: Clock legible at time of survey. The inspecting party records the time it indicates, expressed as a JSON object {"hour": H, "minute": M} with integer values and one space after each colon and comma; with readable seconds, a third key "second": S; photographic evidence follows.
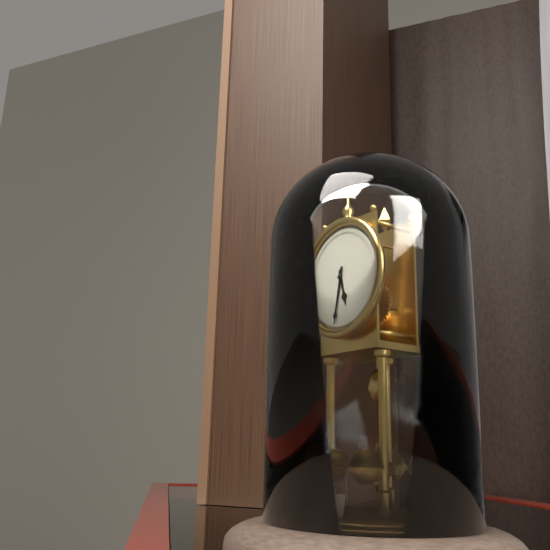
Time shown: {"hour": 5, "minute": 32}
